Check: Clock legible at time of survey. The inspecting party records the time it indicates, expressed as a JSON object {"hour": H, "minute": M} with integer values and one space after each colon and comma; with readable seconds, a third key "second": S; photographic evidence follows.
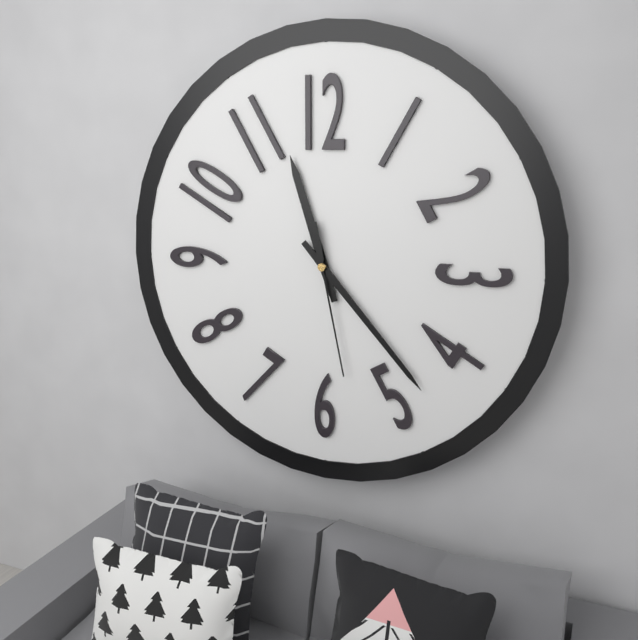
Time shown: {"hour": 11, "minute": 23, "second": 28}
